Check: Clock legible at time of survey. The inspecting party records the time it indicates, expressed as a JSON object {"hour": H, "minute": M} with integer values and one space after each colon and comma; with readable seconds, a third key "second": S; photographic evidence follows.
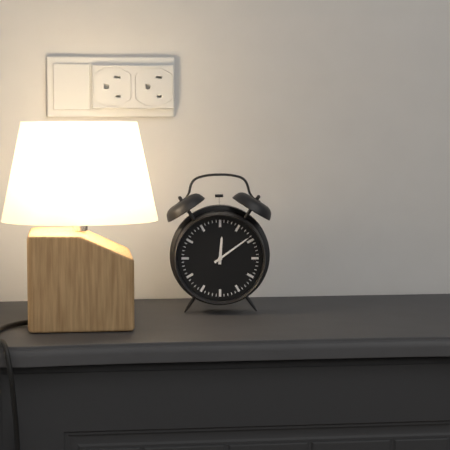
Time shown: {"hour": 12, "minute": 9}
